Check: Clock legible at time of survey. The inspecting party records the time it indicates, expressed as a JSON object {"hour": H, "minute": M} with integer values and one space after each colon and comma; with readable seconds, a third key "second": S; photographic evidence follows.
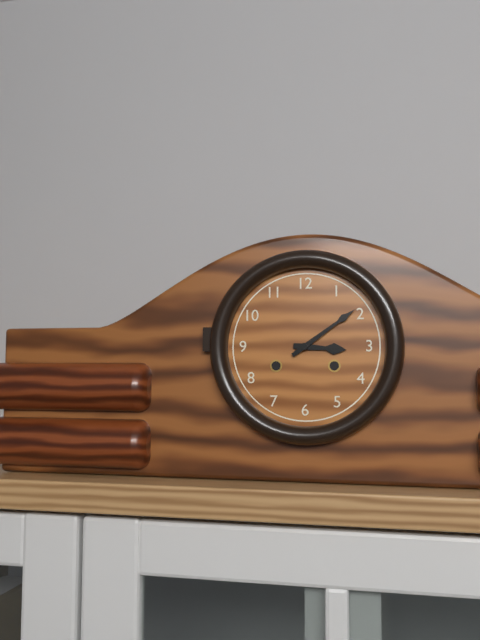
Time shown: {"hour": 3, "minute": 9}
